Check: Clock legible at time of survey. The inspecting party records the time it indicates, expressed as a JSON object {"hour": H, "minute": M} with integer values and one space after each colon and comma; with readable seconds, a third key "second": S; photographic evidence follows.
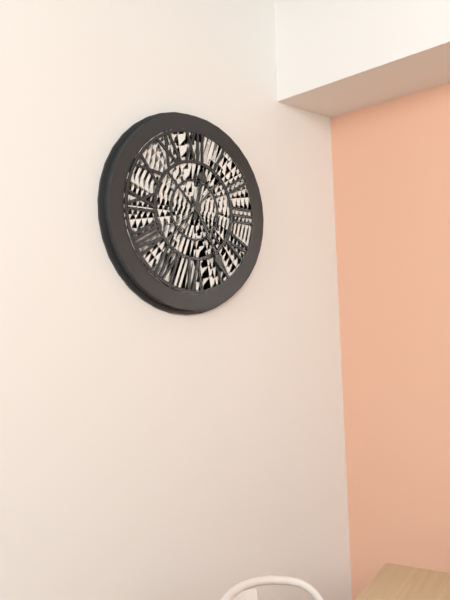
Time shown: {"hour": 12, "minute": 25}
